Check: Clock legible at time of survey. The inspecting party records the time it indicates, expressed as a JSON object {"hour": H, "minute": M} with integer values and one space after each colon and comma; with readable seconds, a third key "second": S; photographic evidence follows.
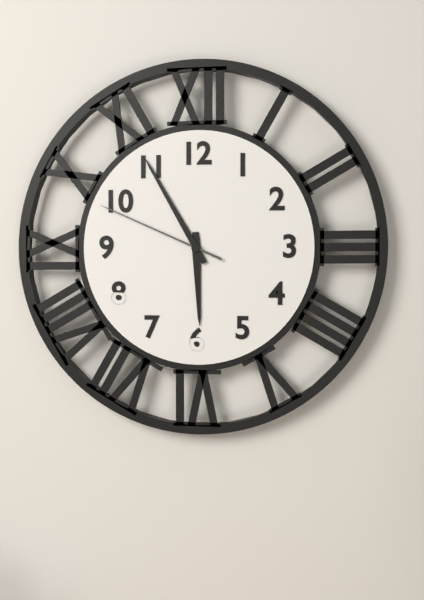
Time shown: {"hour": 5, "minute": 55, "second": 49}
